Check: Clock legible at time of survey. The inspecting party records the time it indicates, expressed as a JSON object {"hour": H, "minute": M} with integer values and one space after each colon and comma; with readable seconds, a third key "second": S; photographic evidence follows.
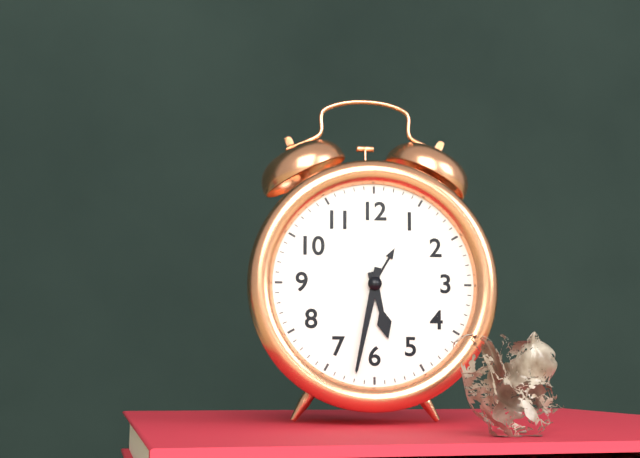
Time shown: {"hour": 5, "minute": 32}
